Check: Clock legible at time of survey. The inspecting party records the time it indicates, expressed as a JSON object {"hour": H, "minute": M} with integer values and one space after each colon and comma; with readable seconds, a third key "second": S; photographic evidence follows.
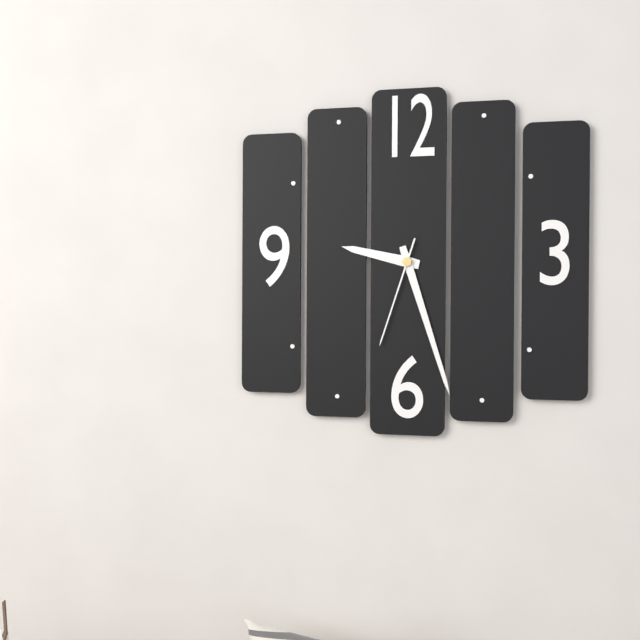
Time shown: {"hour": 9, "minute": 27, "second": 33}
